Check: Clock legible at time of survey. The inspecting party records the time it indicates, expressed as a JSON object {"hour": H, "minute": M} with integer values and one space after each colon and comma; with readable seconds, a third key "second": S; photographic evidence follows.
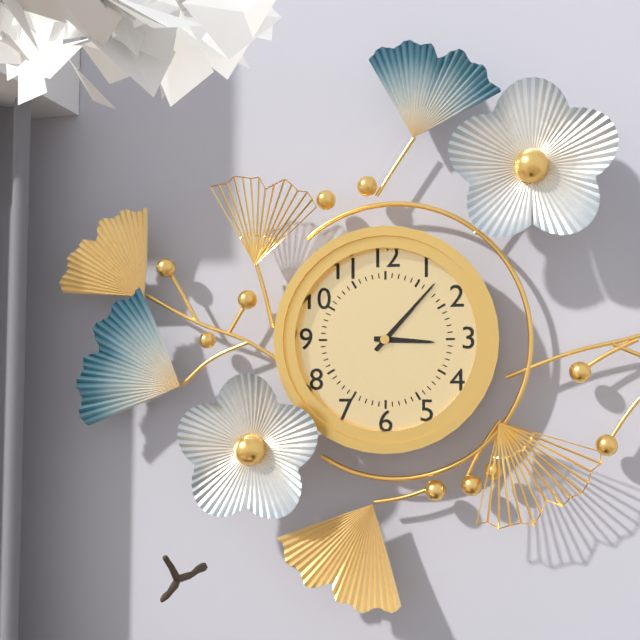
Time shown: {"hour": 3, "minute": 7}
